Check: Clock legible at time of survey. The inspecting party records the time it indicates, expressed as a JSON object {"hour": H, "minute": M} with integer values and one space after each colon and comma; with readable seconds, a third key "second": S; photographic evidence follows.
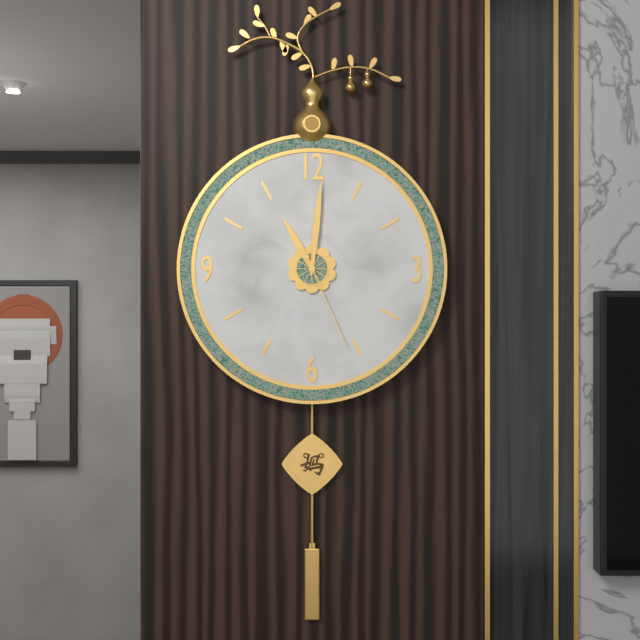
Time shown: {"hour": 11, "minute": 1, "second": 26}
